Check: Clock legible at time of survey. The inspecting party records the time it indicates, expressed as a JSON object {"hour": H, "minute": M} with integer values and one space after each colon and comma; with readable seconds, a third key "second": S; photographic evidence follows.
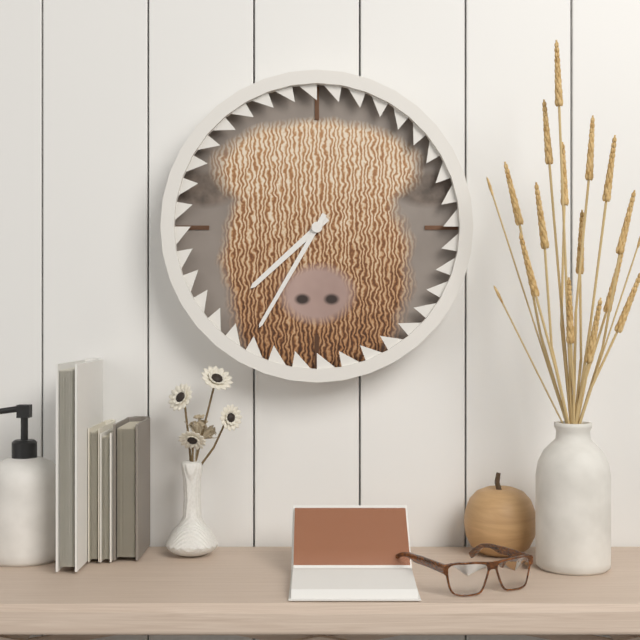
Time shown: {"hour": 7, "minute": 35}
